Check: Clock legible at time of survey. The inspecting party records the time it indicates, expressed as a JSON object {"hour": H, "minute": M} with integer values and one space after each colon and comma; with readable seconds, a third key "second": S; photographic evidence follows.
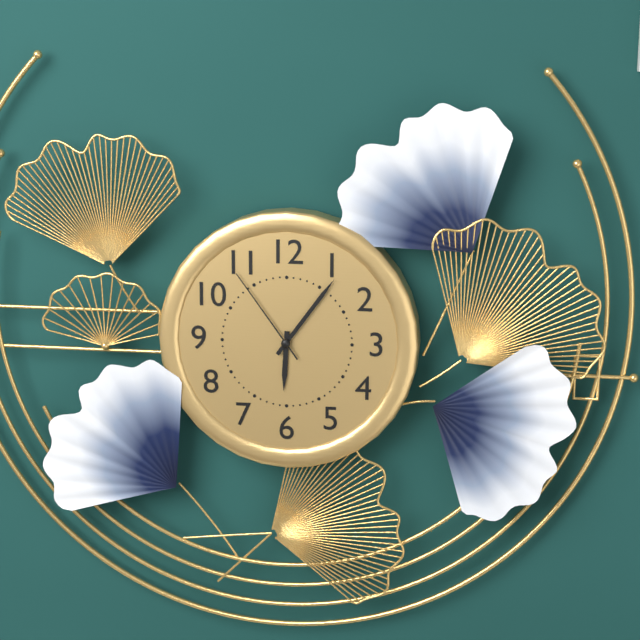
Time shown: {"hour": 6, "minute": 6, "second": 54}
